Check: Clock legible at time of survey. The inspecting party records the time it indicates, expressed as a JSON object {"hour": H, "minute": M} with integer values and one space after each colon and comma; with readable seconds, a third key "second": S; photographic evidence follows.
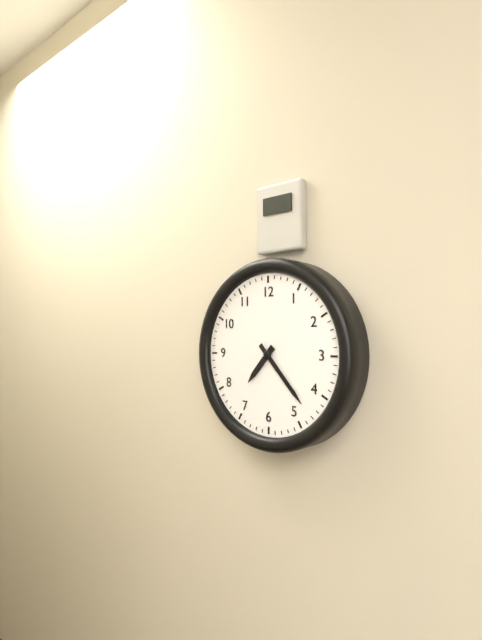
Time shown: {"hour": 7, "minute": 23}
